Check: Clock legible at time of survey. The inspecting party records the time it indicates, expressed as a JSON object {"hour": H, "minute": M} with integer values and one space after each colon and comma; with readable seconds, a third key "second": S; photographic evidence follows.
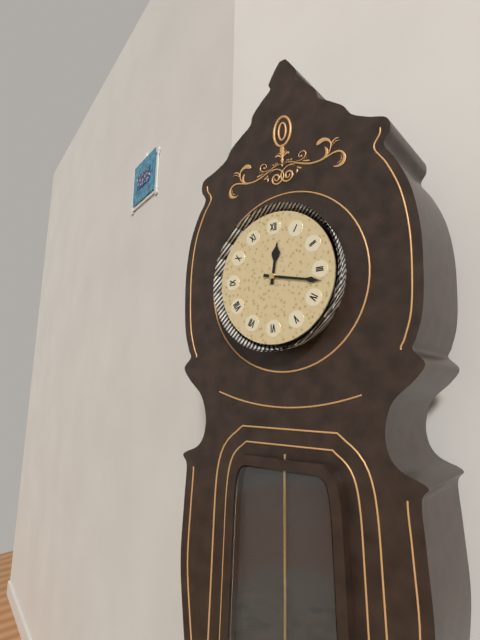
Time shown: {"hour": 12, "minute": 17}
